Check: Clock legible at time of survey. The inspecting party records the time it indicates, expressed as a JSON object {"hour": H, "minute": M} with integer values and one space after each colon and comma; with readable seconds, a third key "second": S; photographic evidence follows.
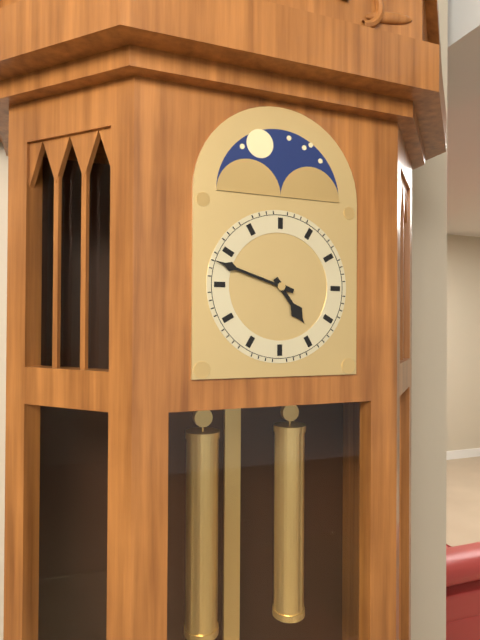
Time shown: {"hour": 4, "minute": 48}
